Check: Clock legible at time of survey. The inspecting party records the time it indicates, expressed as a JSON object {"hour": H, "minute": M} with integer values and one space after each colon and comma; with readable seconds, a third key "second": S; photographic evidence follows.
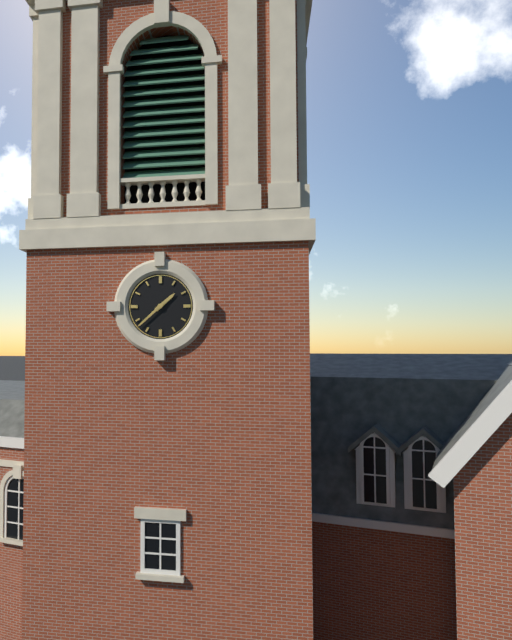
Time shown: {"hour": 1, "minute": 38}
